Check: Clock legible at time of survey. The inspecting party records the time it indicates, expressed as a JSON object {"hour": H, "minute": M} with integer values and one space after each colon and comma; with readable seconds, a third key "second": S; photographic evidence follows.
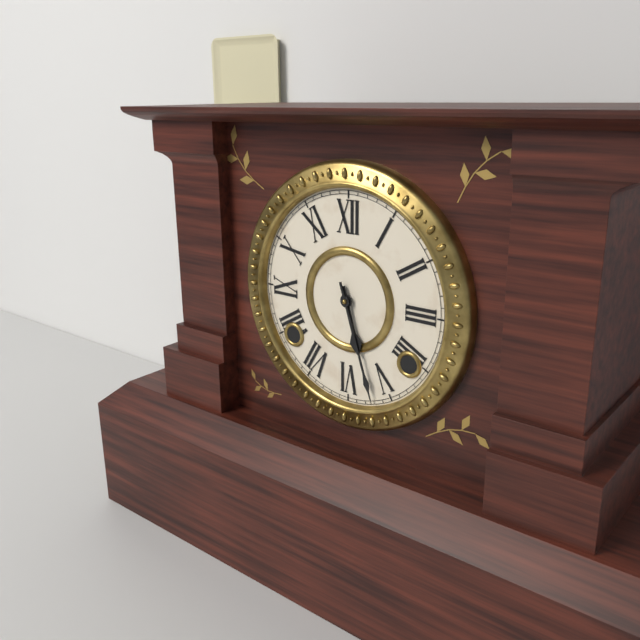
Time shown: {"hour": 5, "minute": 27}
